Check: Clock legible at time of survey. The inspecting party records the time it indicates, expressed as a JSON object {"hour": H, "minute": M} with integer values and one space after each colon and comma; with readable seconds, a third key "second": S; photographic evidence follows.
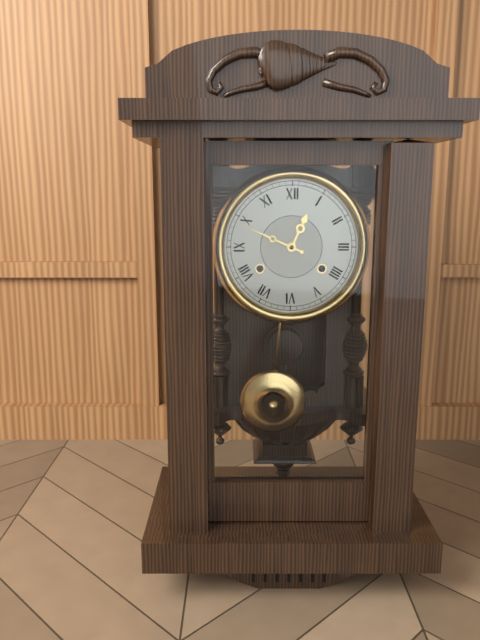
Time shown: {"hour": 12, "minute": 49}
